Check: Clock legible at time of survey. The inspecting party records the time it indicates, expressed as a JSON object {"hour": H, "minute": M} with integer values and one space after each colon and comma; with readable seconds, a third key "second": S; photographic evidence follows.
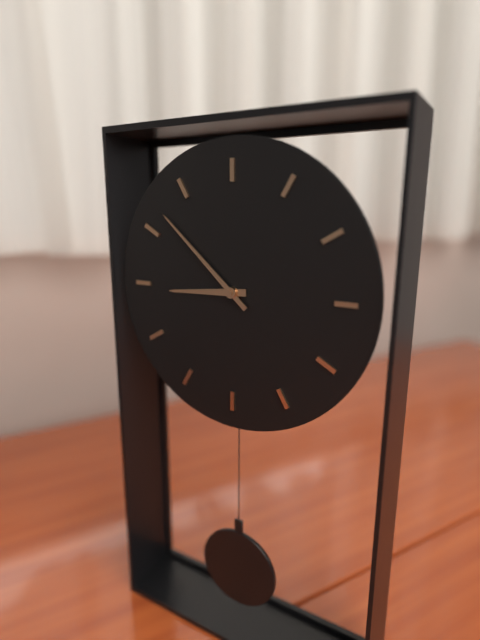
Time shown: {"hour": 8, "minute": 52}
